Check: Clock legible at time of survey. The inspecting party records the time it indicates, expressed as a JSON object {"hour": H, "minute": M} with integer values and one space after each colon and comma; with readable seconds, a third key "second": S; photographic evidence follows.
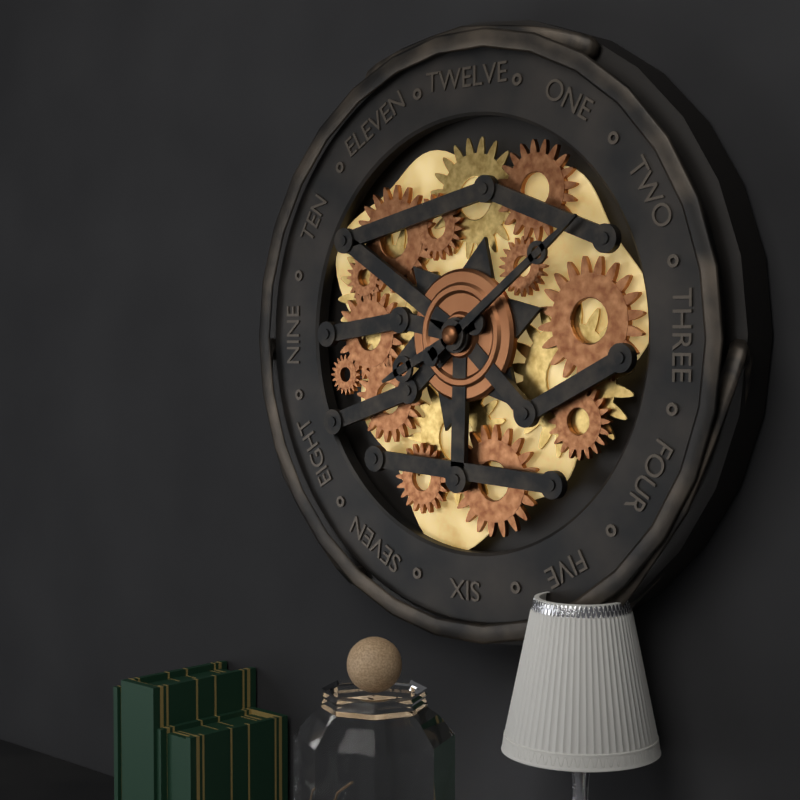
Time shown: {"hour": 8, "minute": 9}
